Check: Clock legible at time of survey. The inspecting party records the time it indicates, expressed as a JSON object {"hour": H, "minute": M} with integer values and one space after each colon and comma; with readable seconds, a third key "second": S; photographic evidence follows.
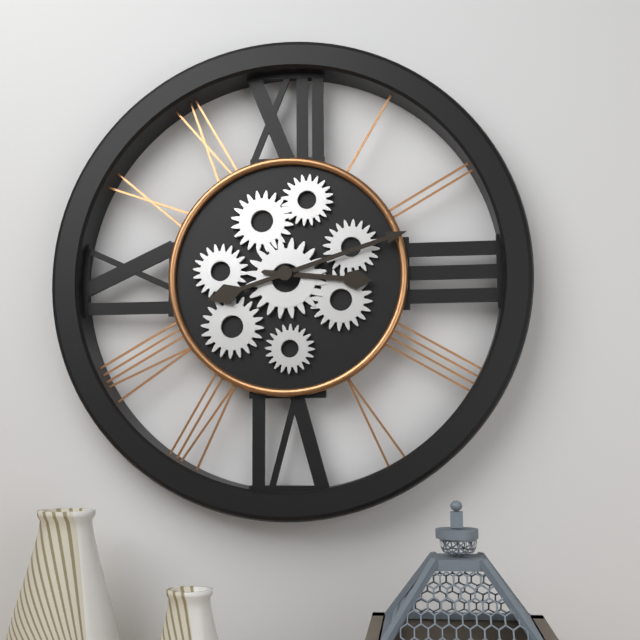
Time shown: {"hour": 3, "minute": 12}
